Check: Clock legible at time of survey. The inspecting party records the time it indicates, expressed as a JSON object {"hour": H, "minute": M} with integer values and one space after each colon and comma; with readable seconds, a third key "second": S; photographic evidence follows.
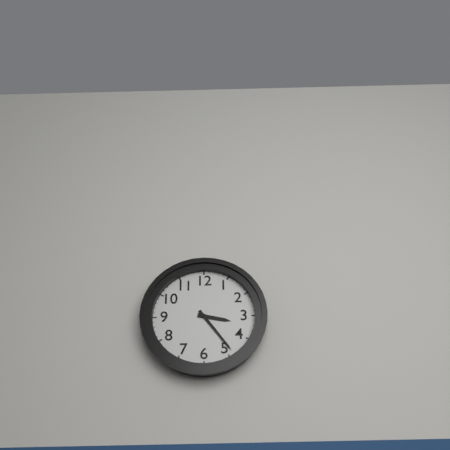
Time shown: {"hour": 3, "minute": 24}
